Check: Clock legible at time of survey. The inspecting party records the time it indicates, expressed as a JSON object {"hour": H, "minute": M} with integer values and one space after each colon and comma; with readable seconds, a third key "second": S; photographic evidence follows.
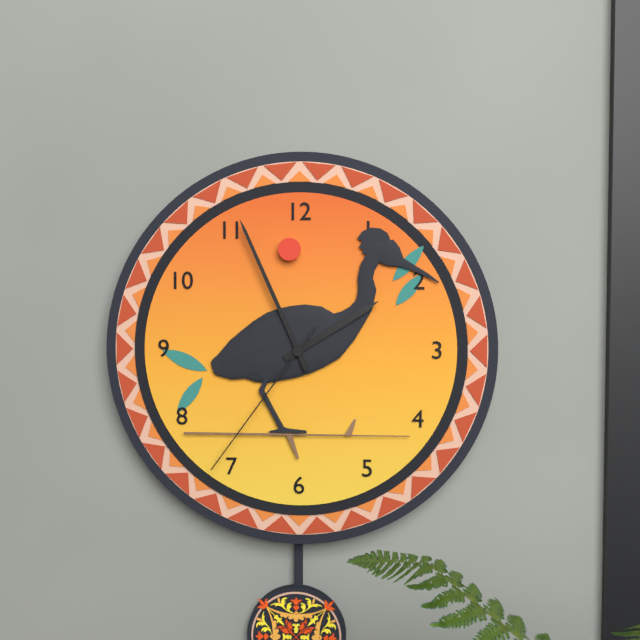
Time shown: {"hour": 1, "minute": 56, "second": 36}
